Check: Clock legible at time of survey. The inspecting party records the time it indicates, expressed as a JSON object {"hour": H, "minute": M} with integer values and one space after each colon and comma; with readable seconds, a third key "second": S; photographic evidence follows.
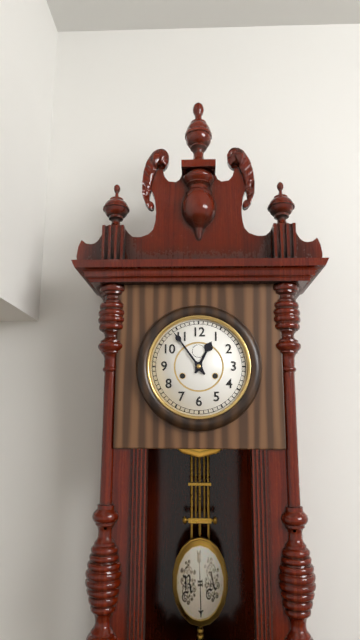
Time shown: {"hour": 12, "minute": 54}
